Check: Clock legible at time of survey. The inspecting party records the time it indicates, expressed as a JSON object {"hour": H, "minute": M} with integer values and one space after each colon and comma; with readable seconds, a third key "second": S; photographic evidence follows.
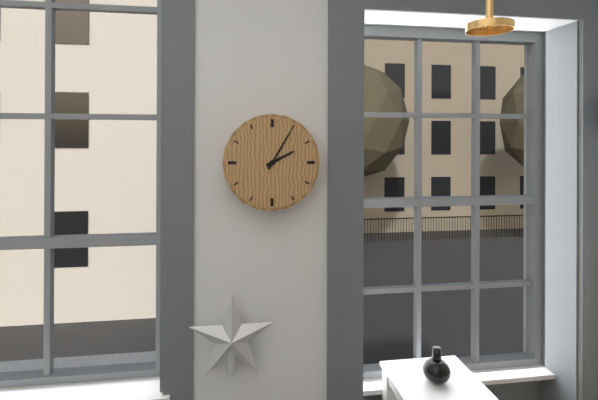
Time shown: {"hour": 2, "minute": 5}
